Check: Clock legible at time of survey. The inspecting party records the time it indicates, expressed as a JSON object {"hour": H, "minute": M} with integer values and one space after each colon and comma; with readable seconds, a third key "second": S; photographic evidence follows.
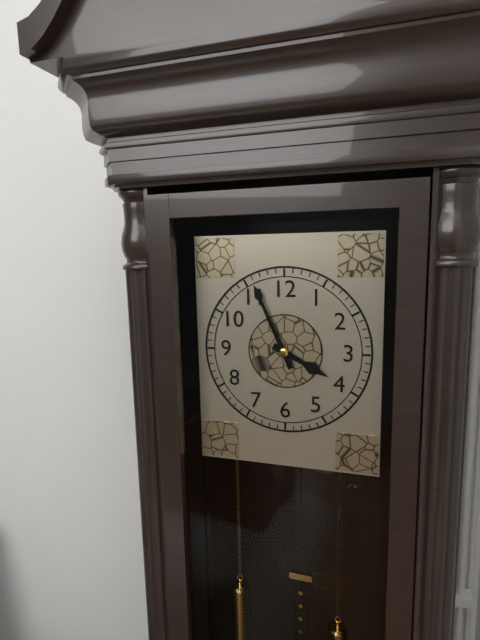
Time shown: {"hour": 3, "minute": 56}
